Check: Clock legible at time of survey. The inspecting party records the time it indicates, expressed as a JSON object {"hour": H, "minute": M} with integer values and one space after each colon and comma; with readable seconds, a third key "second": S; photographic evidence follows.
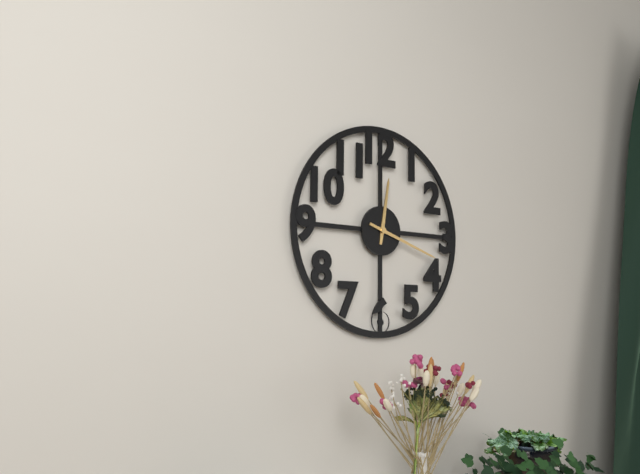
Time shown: {"hour": 12, "minute": 18}
